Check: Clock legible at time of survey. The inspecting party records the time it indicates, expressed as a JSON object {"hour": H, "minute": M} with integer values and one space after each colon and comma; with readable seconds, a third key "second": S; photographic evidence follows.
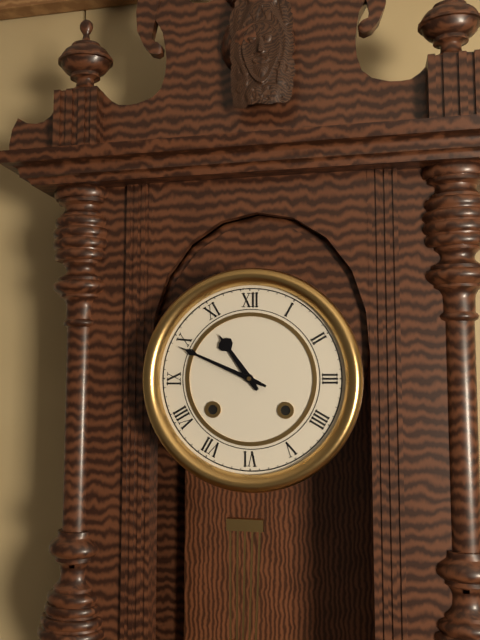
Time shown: {"hour": 10, "minute": 49}
